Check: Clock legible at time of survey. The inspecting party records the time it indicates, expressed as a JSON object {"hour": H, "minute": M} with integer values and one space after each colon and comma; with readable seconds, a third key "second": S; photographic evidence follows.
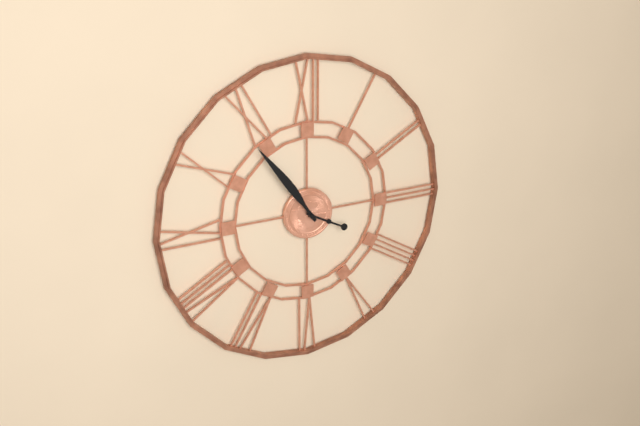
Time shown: {"hour": 3, "minute": 54}
